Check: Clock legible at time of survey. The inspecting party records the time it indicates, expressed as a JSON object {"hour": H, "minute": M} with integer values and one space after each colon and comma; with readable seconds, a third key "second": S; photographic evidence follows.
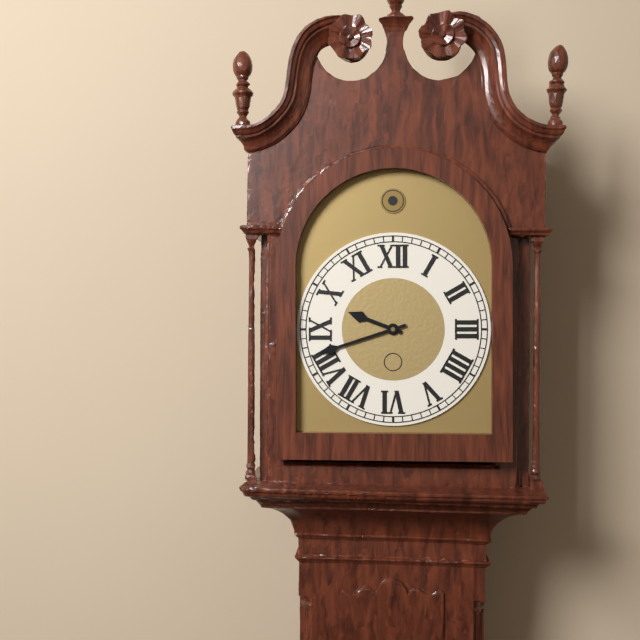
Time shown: {"hour": 9, "minute": 42}
